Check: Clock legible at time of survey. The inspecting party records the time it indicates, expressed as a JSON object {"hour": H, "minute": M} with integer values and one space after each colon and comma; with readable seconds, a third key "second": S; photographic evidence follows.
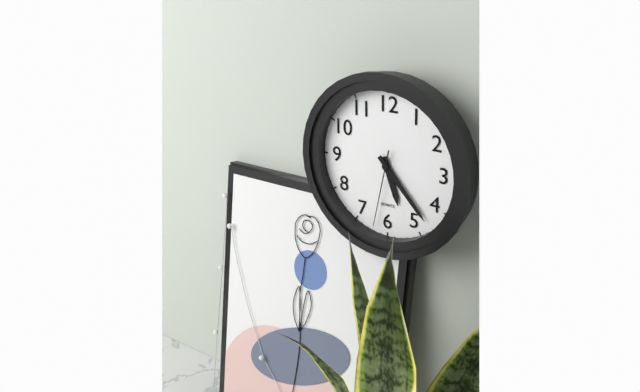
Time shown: {"hour": 5, "minute": 23, "second": 32}
